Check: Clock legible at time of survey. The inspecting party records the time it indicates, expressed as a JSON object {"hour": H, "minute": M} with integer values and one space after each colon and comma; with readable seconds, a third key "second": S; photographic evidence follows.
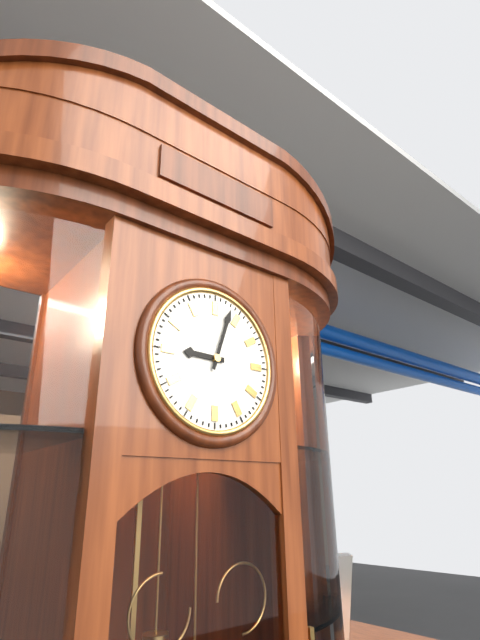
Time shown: {"hour": 9, "minute": 3}
